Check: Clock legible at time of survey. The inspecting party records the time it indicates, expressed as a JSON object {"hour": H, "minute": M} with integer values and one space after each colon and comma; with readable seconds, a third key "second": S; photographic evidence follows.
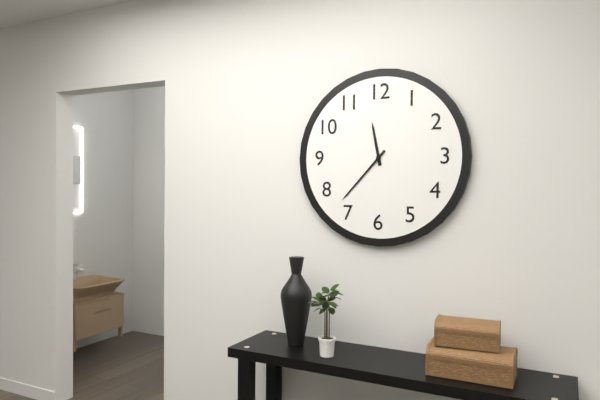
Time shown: {"hour": 11, "minute": 37}
